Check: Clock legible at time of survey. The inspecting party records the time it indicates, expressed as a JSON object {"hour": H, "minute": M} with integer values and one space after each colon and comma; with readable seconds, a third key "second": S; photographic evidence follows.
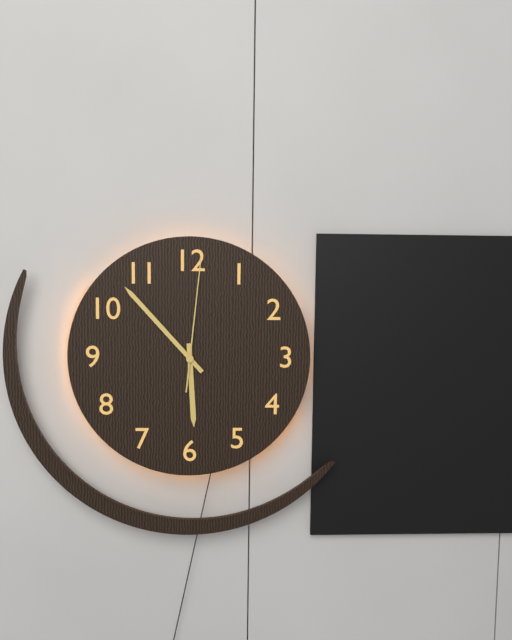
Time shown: {"hour": 5, "minute": 53, "second": 1}
